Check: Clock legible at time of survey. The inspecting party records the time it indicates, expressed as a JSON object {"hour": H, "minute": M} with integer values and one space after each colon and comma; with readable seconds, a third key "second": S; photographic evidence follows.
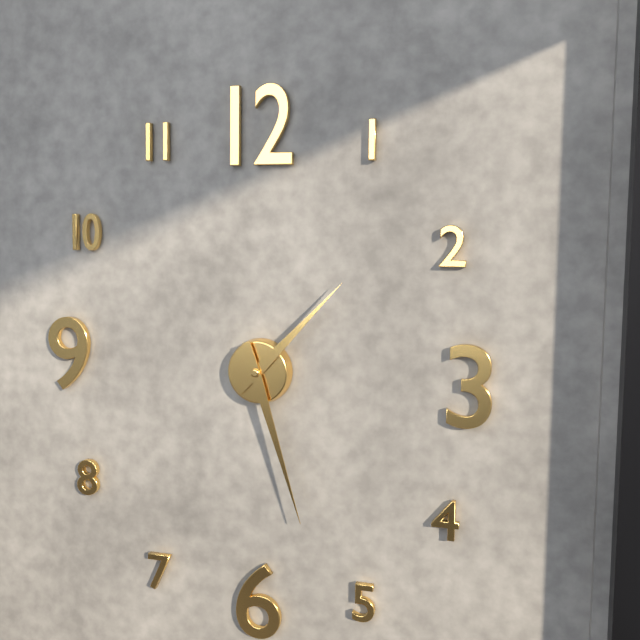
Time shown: {"hour": 1, "minute": 27}
